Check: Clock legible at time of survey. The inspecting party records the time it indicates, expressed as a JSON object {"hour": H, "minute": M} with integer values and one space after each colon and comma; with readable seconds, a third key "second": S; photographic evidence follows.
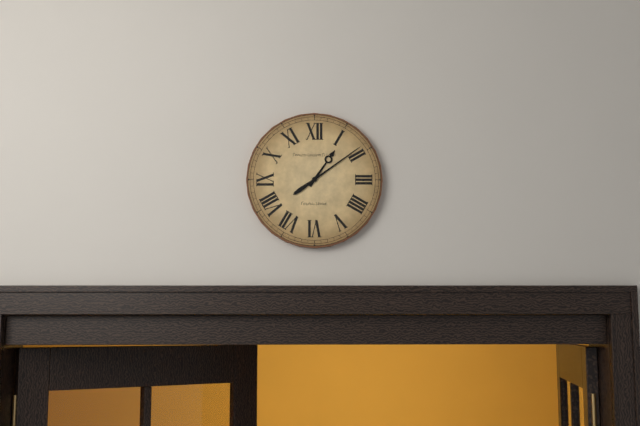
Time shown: {"hour": 1, "minute": 9}
